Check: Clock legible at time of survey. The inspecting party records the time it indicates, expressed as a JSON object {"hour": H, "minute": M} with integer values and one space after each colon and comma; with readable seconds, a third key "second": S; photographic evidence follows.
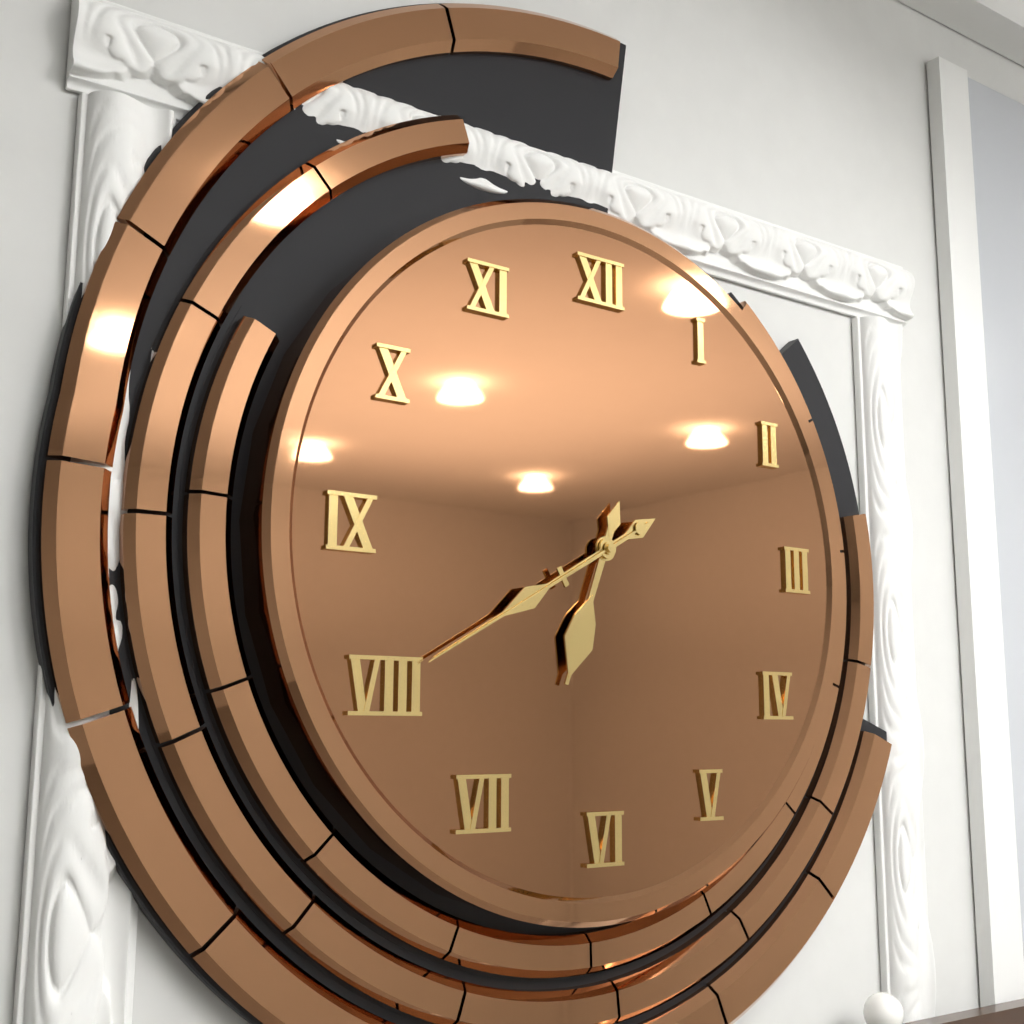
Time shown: {"hour": 6, "minute": 40, "second": 40}
